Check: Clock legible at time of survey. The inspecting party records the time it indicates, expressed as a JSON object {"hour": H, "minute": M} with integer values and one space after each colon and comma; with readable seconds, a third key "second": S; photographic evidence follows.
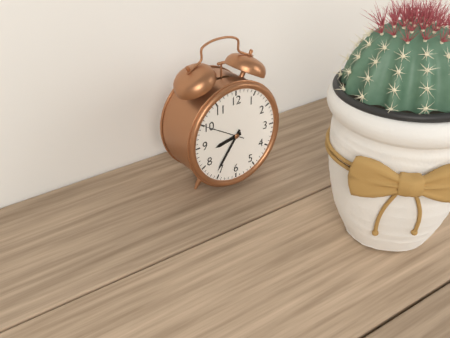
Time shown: {"hour": 8, "minute": 36}
